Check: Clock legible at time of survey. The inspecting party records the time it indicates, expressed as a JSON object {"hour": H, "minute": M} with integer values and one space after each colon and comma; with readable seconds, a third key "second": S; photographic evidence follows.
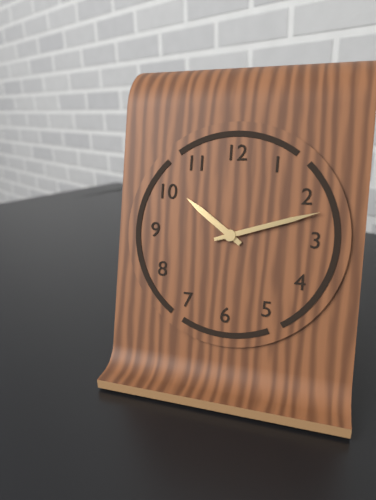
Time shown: {"hour": 10, "minute": 12}
